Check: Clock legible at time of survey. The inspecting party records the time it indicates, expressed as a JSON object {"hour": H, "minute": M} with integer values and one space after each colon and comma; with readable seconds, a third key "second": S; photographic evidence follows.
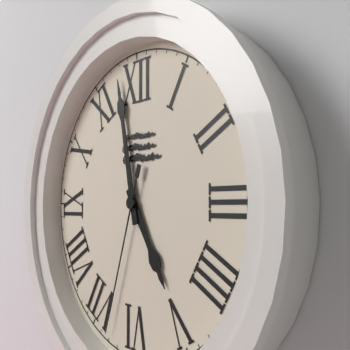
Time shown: {"hour": 4, "minute": 58, "second": 33}
